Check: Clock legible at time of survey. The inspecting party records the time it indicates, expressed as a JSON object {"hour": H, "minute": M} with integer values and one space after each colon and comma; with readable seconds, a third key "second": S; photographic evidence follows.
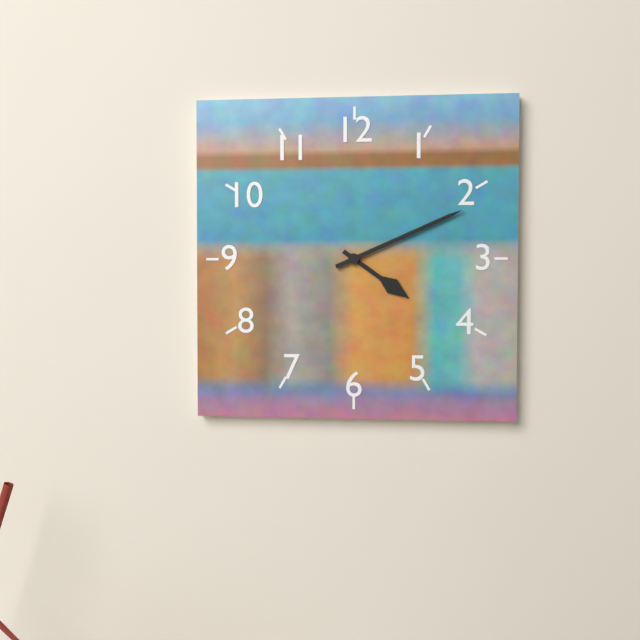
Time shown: {"hour": 4, "minute": 11}
